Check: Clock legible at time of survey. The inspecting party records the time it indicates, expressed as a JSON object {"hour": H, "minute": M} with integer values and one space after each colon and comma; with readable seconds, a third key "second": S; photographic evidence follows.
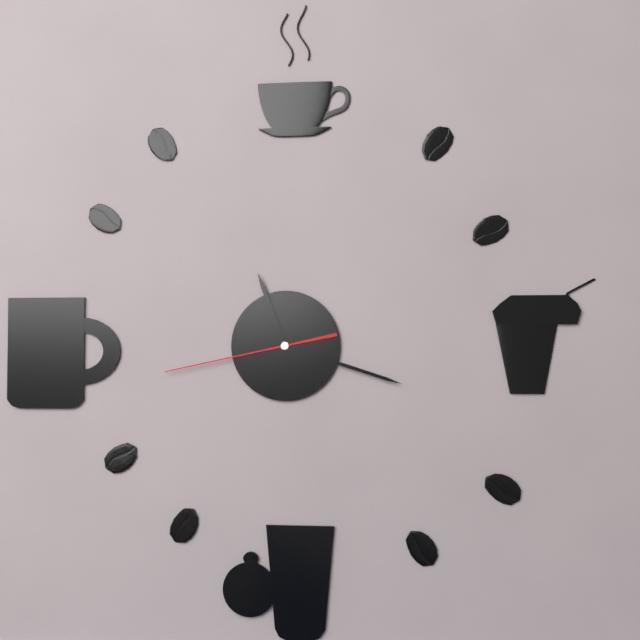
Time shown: {"hour": 11, "minute": 18, "second": 43}
